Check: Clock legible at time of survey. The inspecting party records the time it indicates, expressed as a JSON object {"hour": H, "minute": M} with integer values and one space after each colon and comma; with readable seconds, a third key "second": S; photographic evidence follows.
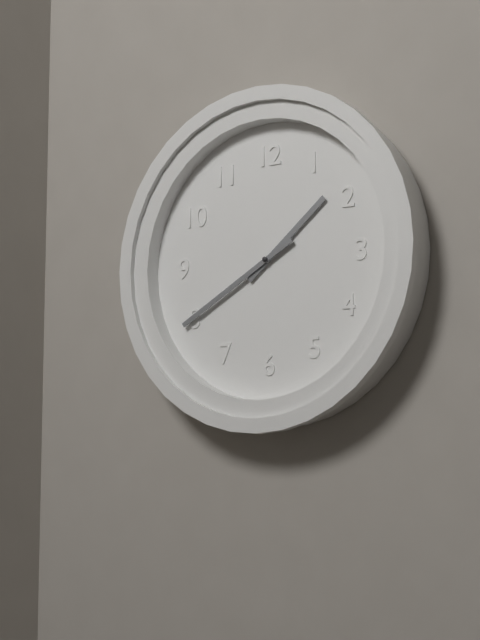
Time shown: {"hour": 1, "minute": 40}
